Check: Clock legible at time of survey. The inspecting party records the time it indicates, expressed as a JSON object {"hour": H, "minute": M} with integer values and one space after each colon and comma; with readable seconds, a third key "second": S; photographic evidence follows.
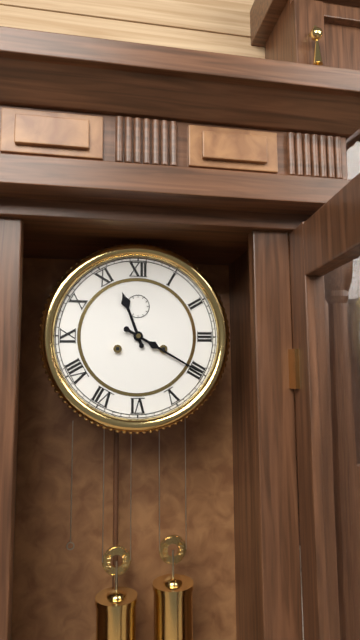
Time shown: {"hour": 11, "minute": 20}
